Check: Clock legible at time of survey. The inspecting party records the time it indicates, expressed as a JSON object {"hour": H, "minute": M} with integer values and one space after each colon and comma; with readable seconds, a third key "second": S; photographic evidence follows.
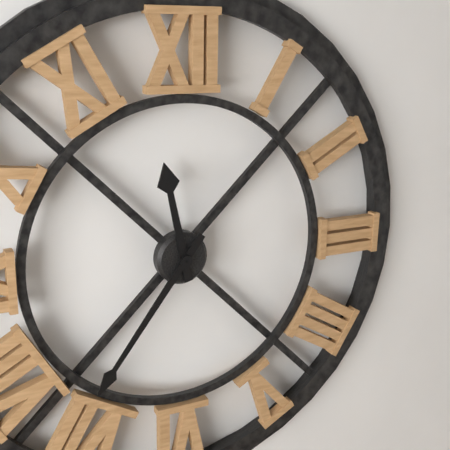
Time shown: {"hour": 11, "minute": 36}
